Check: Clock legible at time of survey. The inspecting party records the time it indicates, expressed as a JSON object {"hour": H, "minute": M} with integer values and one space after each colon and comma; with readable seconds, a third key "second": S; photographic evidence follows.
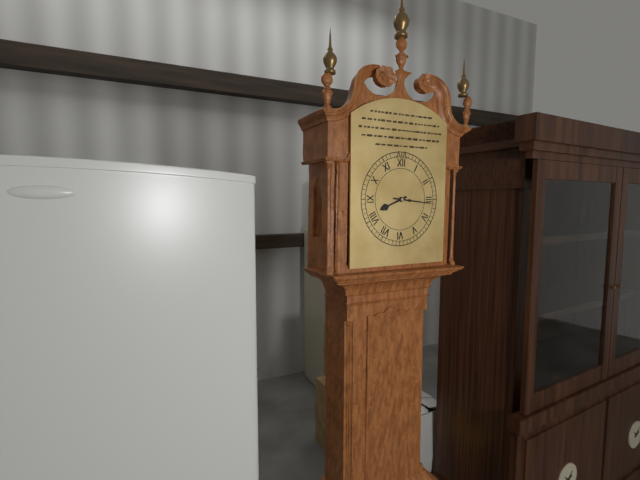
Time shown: {"hour": 8, "minute": 16}
